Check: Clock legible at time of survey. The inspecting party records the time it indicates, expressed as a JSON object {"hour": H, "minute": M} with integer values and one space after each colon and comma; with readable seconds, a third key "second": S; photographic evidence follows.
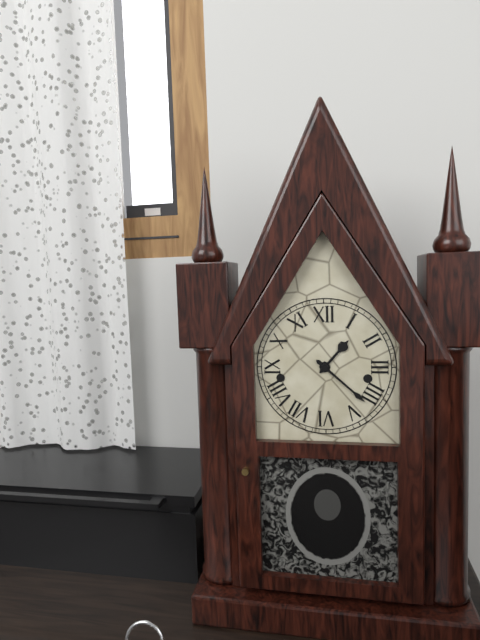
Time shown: {"hour": 1, "minute": 22}
